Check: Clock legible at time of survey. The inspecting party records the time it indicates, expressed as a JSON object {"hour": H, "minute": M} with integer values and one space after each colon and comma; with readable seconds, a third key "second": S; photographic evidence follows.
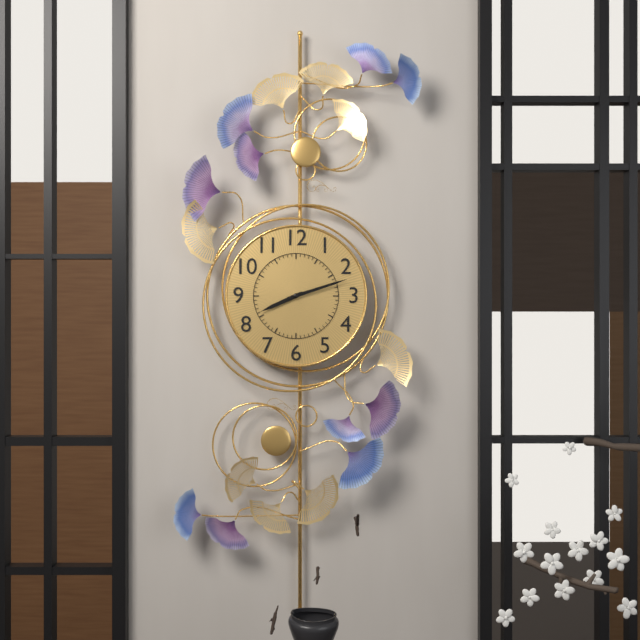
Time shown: {"hour": 8, "minute": 12}
